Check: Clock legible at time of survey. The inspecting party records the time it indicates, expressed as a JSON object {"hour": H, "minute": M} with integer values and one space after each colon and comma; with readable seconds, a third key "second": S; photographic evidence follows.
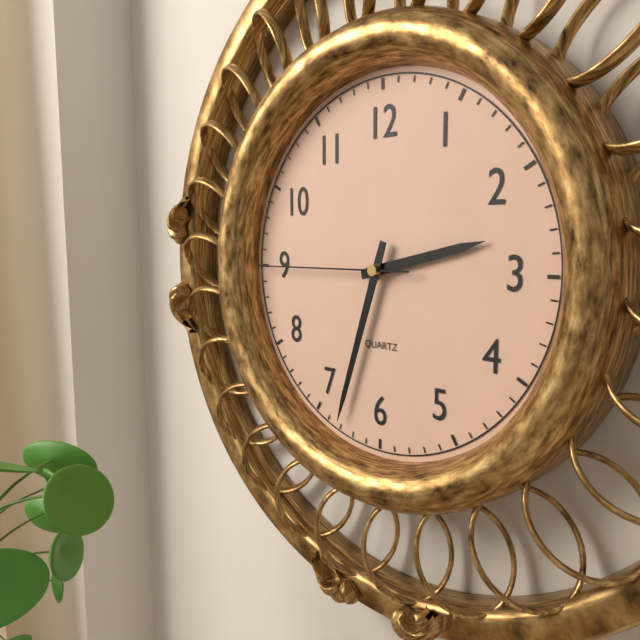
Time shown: {"hour": 2, "minute": 33, "second": 45}
